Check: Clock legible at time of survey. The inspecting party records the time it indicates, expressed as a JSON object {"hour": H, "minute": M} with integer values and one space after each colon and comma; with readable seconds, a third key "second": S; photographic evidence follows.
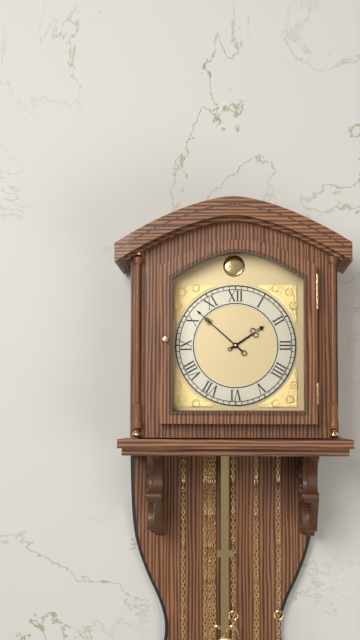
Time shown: {"hour": 1, "minute": 52}
